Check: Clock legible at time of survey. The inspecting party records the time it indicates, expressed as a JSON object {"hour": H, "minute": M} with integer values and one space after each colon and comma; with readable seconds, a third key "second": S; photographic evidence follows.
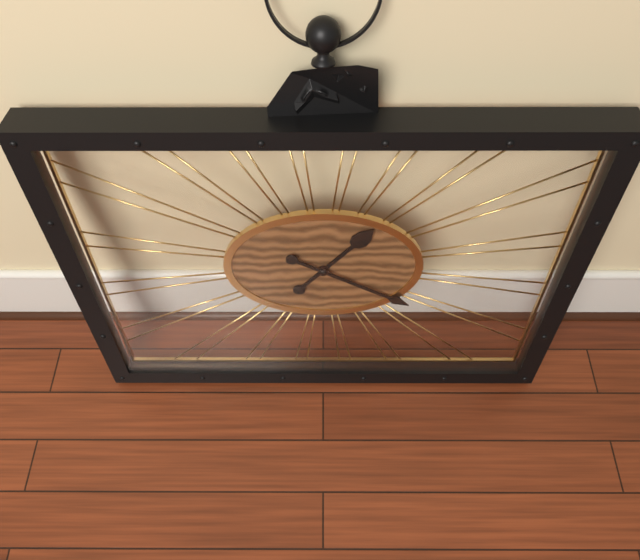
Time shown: {"hour": 1, "minute": 20}
